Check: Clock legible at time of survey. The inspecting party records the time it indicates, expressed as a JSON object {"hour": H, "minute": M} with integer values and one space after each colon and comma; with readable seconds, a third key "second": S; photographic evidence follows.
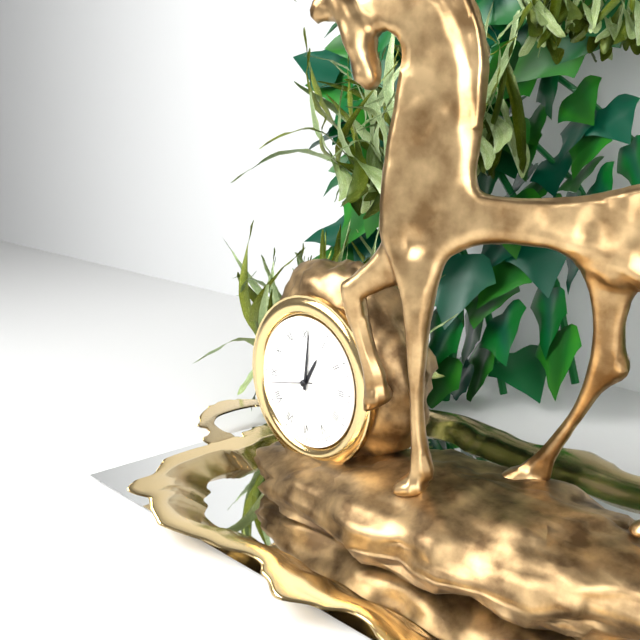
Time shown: {"hour": 1, "minute": 1}
